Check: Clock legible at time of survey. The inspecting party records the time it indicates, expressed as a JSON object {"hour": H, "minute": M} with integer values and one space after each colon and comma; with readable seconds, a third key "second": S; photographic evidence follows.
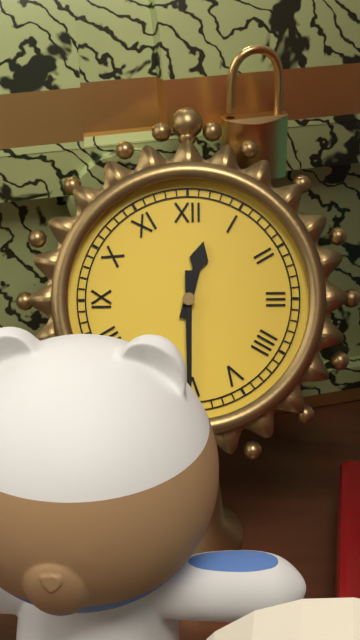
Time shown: {"hour": 12, "minute": 30}
